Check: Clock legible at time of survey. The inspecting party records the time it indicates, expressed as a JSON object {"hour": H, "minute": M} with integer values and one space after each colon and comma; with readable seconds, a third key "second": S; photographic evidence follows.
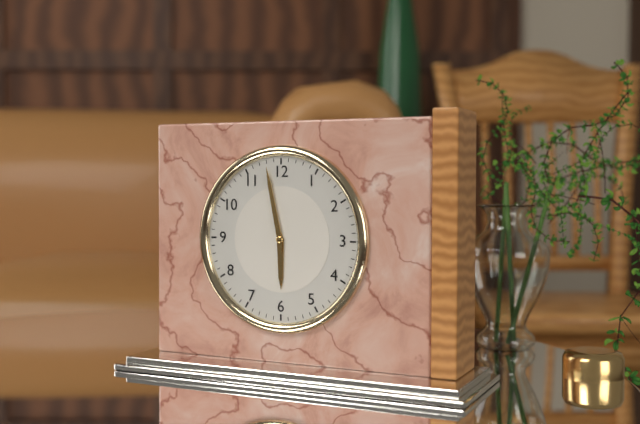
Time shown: {"hour": 5, "minute": 58}
